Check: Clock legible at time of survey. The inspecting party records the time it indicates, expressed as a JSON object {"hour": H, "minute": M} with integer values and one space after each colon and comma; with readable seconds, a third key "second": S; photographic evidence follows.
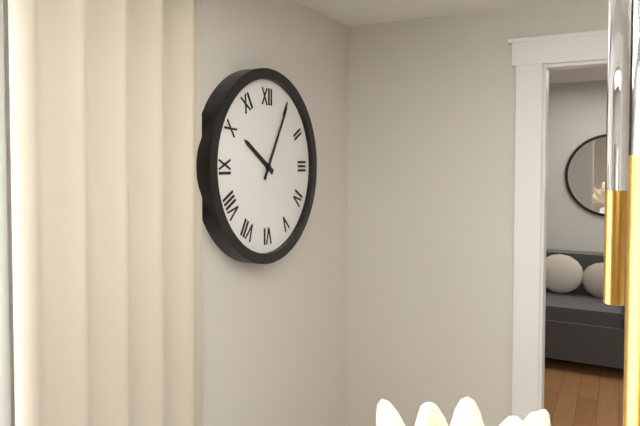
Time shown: {"hour": 10, "minute": 5}
